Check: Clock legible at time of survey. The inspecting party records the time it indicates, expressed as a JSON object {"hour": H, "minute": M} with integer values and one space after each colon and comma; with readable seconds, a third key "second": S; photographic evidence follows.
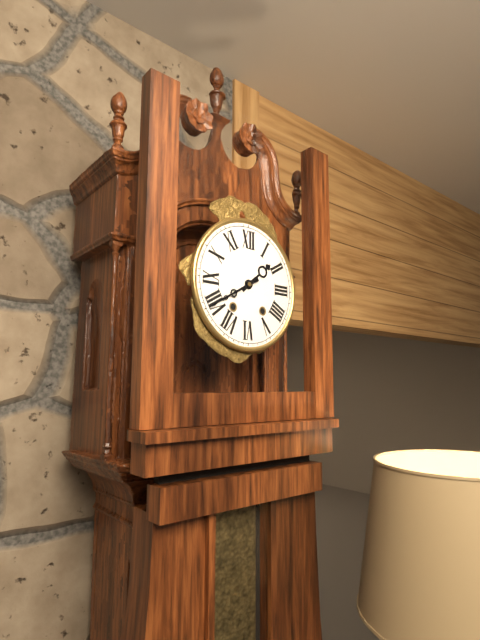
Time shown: {"hour": 1, "minute": 40}
